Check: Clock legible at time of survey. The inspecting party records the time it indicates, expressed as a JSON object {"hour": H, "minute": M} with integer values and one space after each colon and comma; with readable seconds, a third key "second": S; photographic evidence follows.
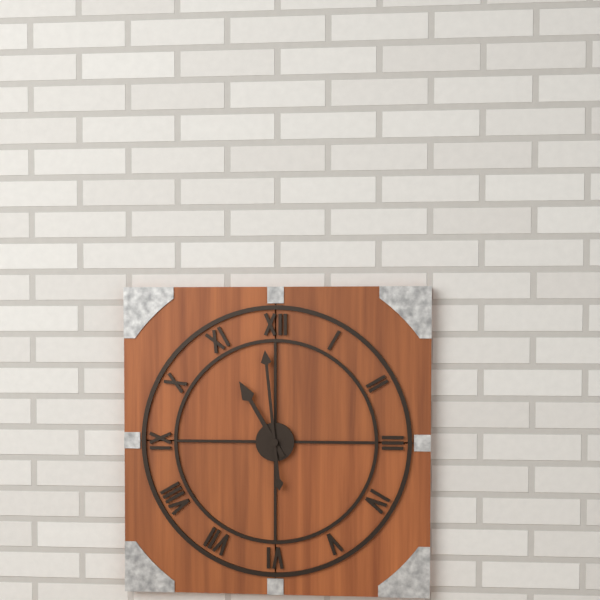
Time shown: {"hour": 10, "minute": 59}
